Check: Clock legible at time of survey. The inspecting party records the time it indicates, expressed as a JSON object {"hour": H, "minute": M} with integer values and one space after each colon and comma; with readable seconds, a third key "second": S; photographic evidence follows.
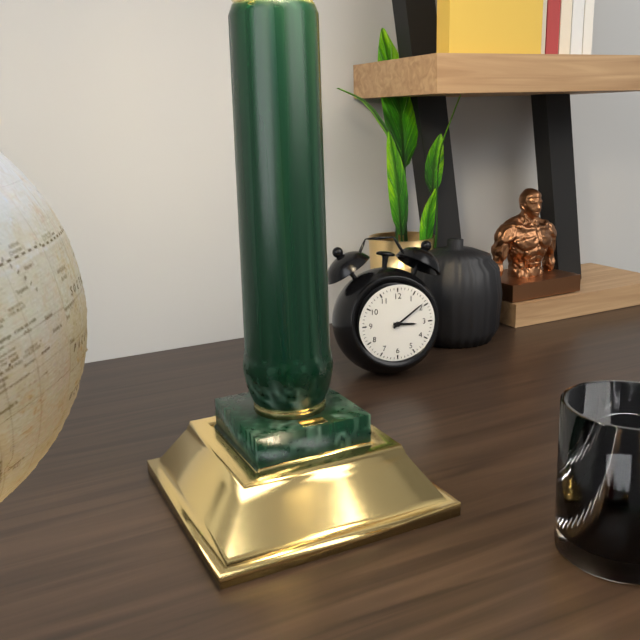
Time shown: {"hour": 3, "minute": 9}
